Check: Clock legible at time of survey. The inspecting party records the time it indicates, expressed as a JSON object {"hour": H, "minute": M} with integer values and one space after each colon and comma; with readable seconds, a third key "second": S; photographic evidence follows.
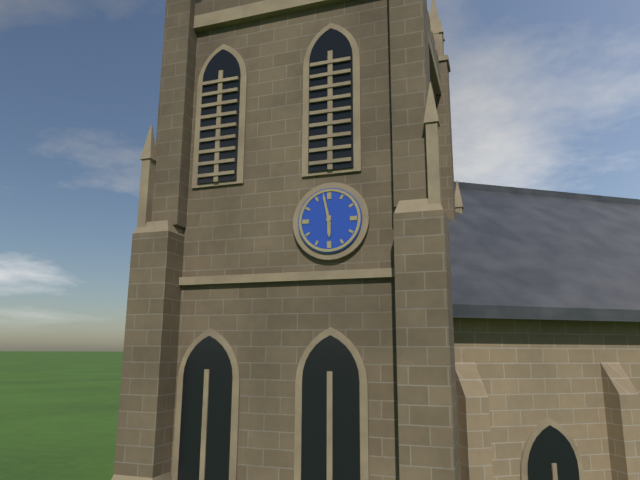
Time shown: {"hour": 5, "minute": 58}
